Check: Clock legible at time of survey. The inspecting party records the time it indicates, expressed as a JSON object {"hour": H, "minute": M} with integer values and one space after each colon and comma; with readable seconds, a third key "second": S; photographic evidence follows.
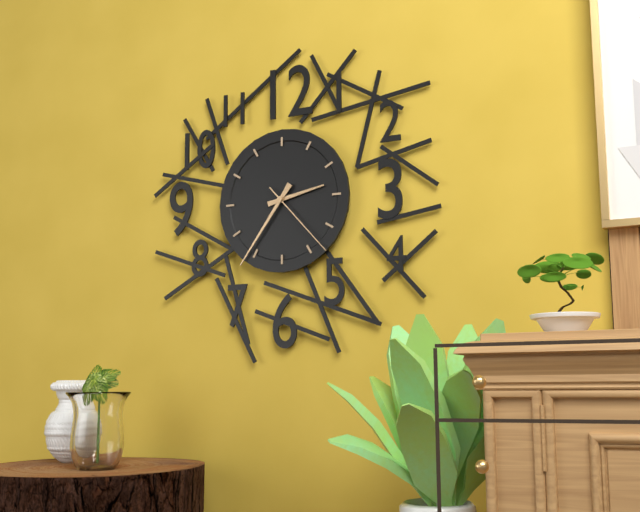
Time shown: {"hour": 2, "minute": 36, "second": 23}
